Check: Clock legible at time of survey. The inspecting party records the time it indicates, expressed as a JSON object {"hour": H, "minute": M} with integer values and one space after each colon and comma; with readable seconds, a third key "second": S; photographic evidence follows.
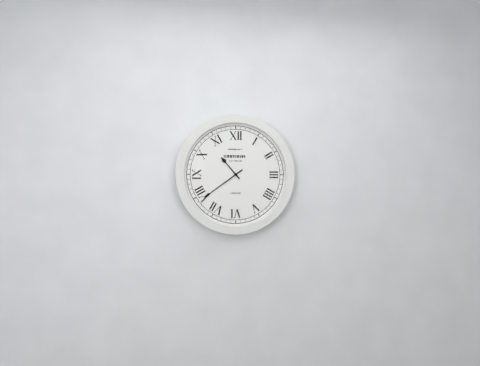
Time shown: {"hour": 10, "minute": 39}
